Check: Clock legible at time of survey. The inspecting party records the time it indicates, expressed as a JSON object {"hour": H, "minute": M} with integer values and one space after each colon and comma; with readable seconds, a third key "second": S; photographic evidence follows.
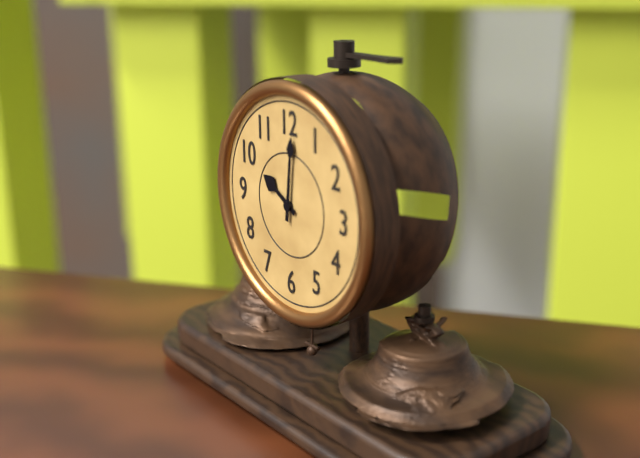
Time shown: {"hour": 10, "minute": 1}
